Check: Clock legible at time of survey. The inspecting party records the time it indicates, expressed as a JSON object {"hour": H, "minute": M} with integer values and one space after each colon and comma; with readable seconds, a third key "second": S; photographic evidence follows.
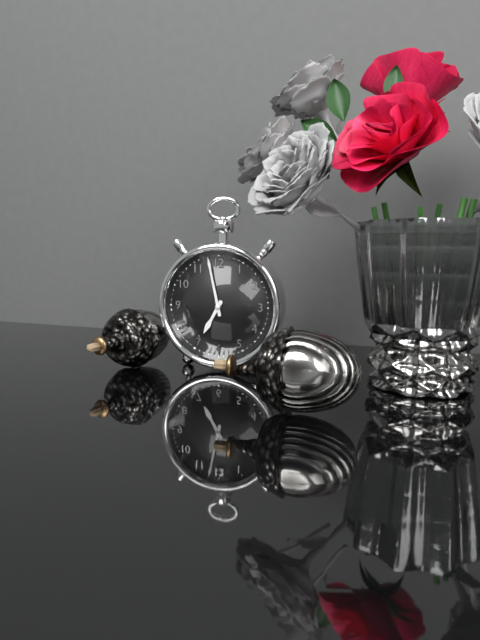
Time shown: {"hour": 6, "minute": 58}
